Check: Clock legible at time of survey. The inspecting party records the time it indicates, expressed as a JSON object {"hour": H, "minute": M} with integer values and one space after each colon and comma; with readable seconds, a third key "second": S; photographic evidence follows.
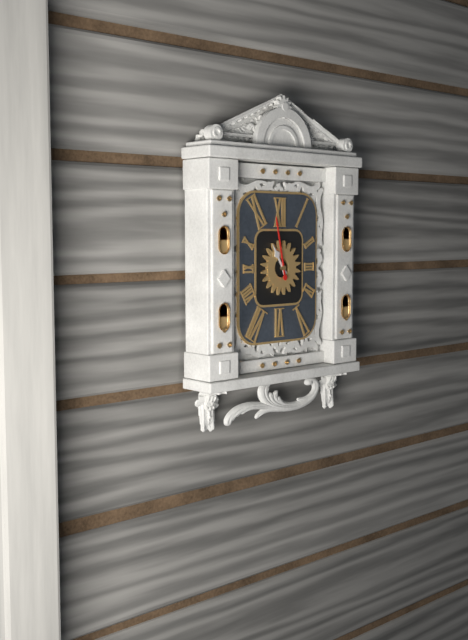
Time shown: {"hour": 10, "minute": 58}
